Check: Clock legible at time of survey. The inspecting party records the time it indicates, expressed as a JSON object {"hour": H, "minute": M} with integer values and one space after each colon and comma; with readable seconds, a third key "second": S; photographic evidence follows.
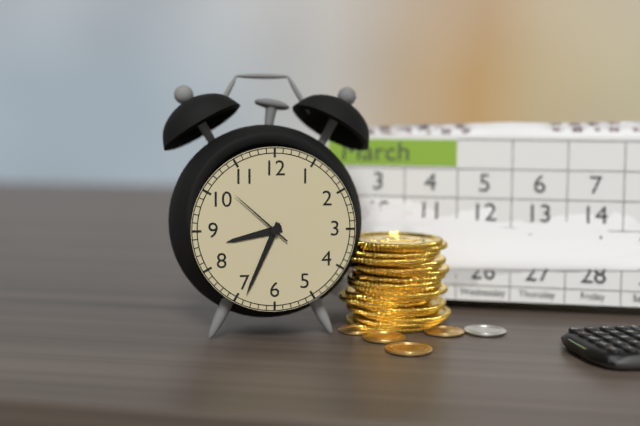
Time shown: {"hour": 8, "minute": 34, "second": 52}
